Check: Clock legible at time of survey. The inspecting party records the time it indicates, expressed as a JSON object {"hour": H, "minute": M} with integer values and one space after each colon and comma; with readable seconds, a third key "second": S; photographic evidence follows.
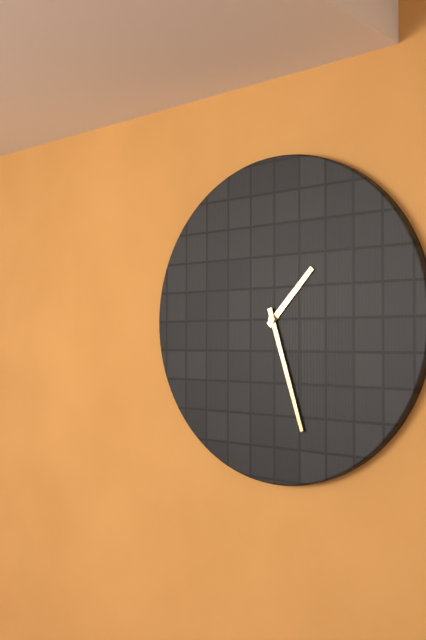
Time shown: {"hour": 1, "minute": 27}
